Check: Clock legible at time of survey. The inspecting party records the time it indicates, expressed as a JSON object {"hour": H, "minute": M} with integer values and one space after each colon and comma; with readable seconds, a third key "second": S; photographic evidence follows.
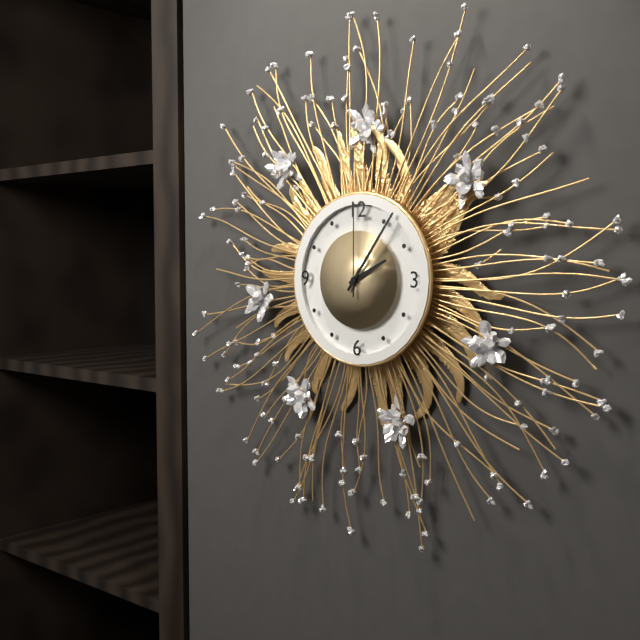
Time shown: {"hour": 2, "minute": 6, "second": 0}
